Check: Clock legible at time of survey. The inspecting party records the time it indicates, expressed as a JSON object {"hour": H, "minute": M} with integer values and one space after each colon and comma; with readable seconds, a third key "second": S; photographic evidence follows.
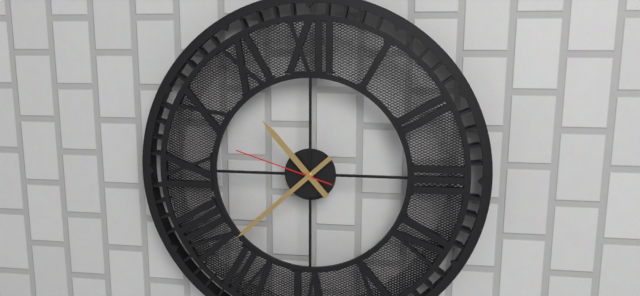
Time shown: {"hour": 10, "minute": 38, "second": 48}
